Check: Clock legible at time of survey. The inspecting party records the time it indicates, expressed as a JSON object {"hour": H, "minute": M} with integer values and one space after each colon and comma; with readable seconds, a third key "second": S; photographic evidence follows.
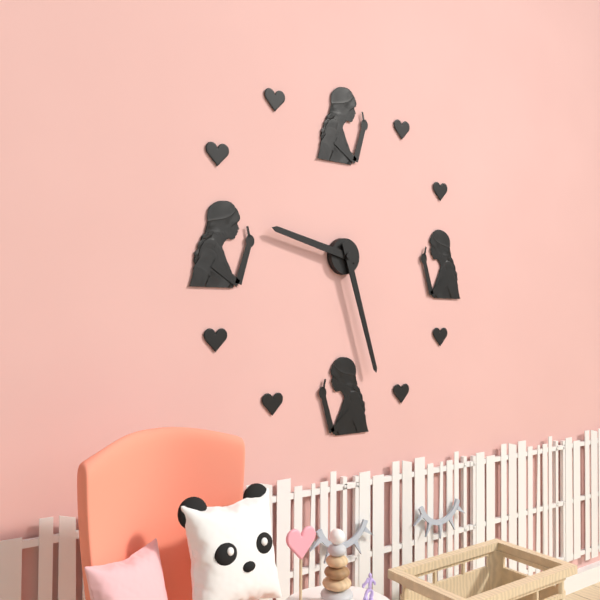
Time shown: {"hour": 9, "minute": 27}
